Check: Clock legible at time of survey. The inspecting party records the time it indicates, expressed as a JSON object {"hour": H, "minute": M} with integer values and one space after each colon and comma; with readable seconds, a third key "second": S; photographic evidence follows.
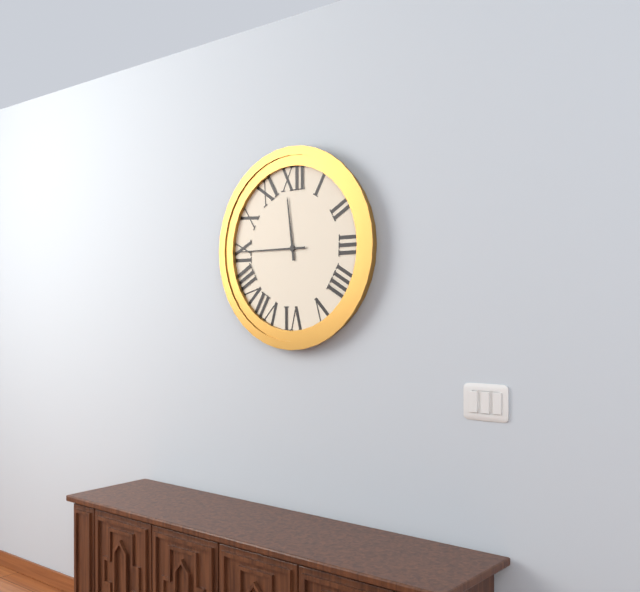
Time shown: {"hour": 11, "minute": 45}
